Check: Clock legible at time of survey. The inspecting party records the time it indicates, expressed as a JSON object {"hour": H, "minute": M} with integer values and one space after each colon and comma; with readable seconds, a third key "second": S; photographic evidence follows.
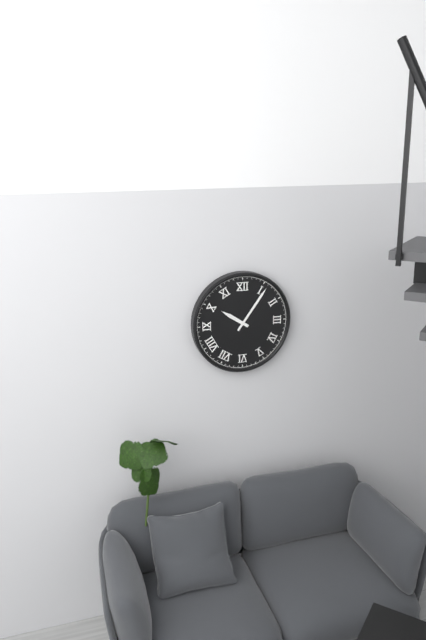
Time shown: {"hour": 10, "minute": 6}
